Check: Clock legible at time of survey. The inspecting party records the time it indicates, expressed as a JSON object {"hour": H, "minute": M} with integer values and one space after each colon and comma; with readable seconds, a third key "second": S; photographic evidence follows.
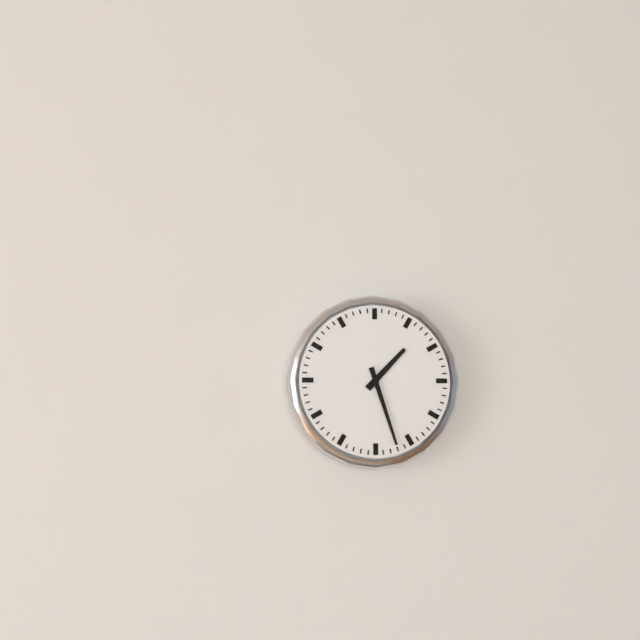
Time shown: {"hour": 1, "minute": 27}
